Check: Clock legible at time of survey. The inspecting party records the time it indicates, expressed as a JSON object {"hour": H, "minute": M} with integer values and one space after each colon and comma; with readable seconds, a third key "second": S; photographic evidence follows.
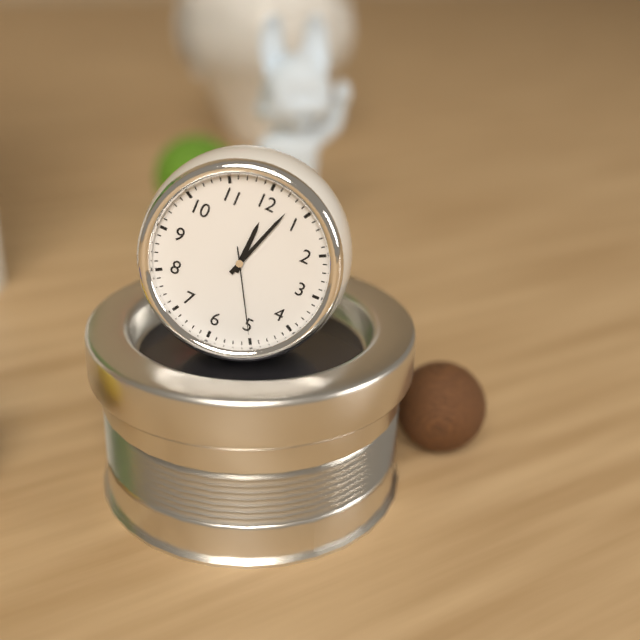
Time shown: {"hour": 12, "minute": 3, "second": 25}
